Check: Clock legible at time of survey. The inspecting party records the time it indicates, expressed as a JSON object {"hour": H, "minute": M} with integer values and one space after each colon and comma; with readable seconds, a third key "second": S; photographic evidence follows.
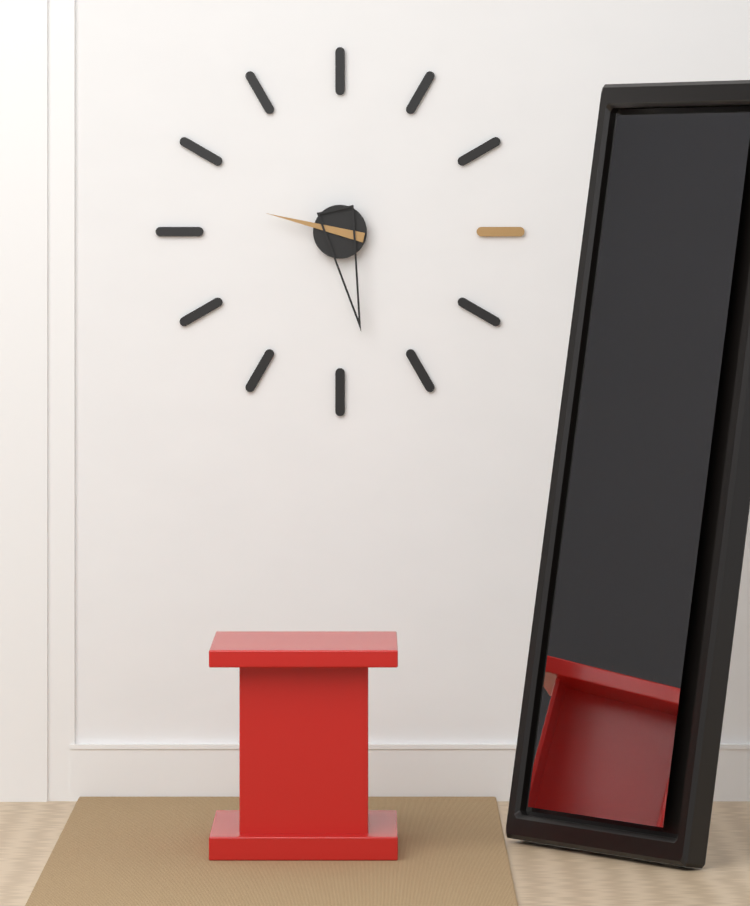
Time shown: {"hour": 9, "minute": 28}
